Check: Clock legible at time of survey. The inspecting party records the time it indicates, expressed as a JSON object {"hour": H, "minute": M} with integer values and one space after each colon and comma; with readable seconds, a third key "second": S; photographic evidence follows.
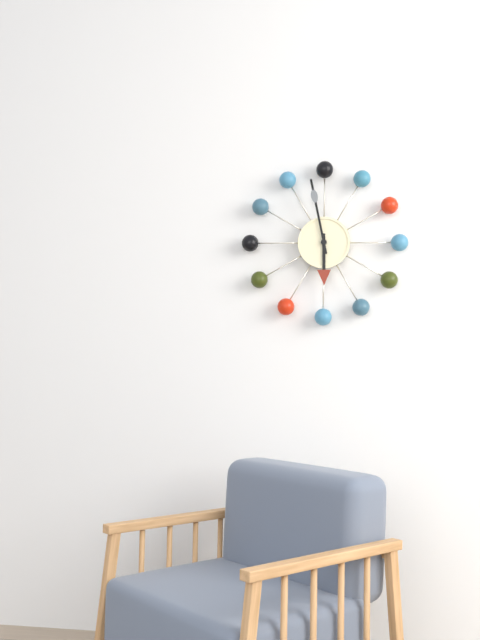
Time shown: {"hour": 5, "minute": 58}
